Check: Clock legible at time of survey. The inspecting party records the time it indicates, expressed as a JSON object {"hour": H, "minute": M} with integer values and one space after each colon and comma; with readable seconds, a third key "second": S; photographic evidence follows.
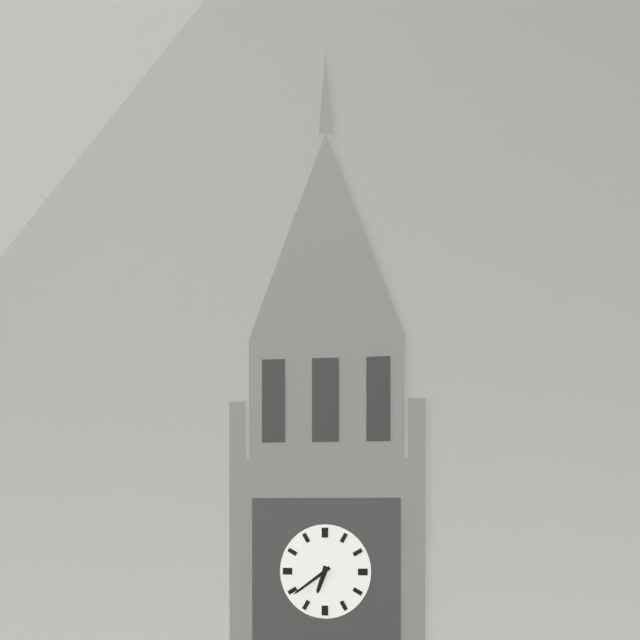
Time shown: {"hour": 6, "minute": 39}
